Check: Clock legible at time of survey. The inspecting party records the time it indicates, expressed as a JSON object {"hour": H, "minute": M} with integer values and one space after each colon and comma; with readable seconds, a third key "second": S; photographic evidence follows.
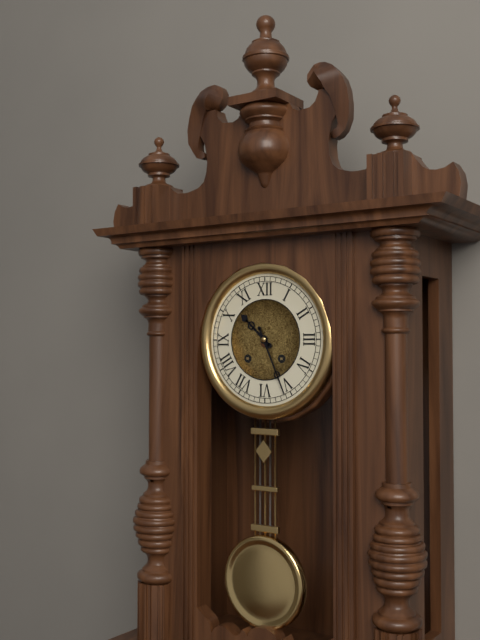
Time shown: {"hour": 10, "minute": 26}
